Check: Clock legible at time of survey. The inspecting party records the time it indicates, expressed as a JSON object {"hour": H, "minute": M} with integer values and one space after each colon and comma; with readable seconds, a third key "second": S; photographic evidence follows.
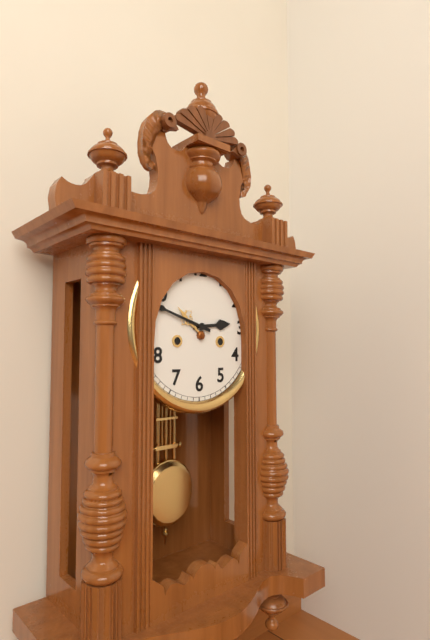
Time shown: {"hour": 2, "minute": 48}
